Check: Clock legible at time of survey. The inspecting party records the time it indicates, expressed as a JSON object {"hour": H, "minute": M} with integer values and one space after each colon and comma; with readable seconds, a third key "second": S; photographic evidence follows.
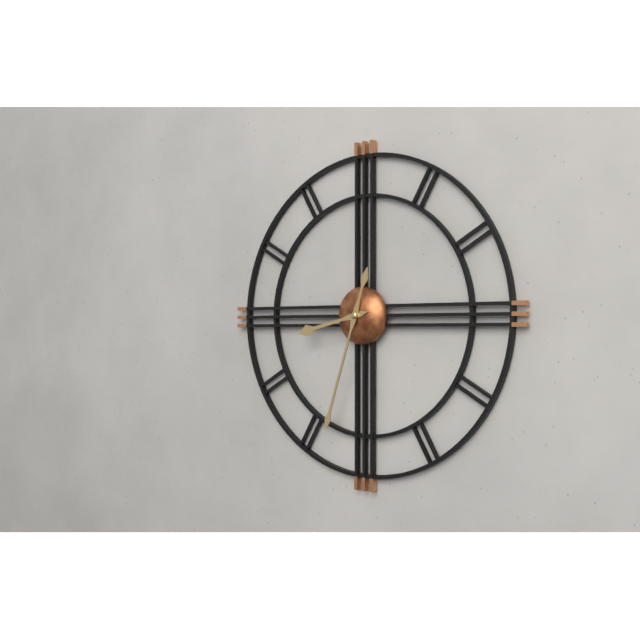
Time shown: {"hour": 8, "minute": 33}
